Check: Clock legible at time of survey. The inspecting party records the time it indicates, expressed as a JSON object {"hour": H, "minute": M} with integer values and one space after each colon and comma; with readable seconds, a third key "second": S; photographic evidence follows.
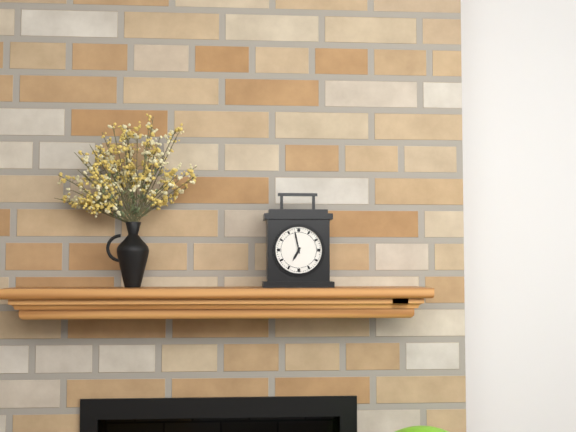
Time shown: {"hour": 6, "minute": 58}
